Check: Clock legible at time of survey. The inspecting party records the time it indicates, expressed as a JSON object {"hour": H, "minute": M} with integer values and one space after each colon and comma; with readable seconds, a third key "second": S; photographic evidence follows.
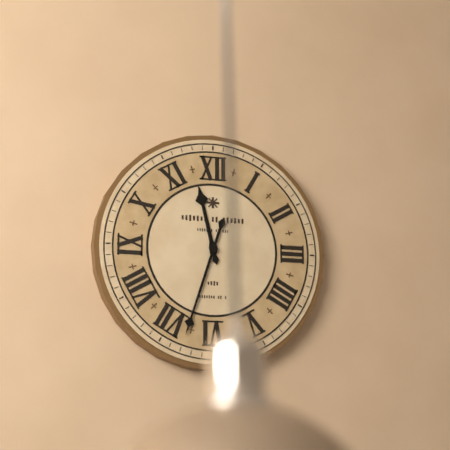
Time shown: {"hour": 11, "minute": 33}
